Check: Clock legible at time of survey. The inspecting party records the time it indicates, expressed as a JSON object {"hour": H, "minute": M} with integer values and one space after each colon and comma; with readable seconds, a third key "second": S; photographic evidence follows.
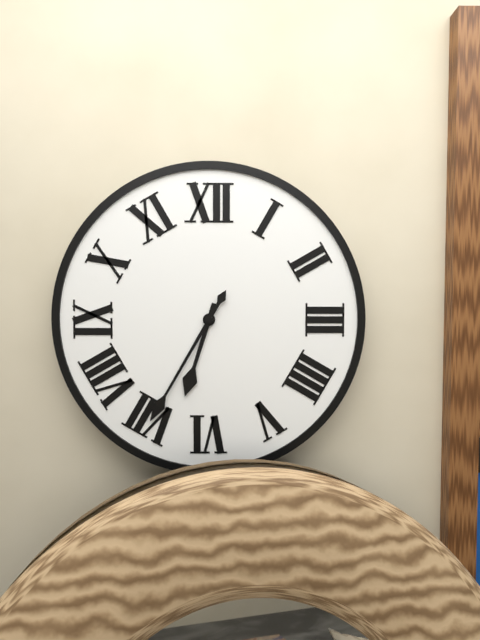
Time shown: {"hour": 6, "minute": 35}
